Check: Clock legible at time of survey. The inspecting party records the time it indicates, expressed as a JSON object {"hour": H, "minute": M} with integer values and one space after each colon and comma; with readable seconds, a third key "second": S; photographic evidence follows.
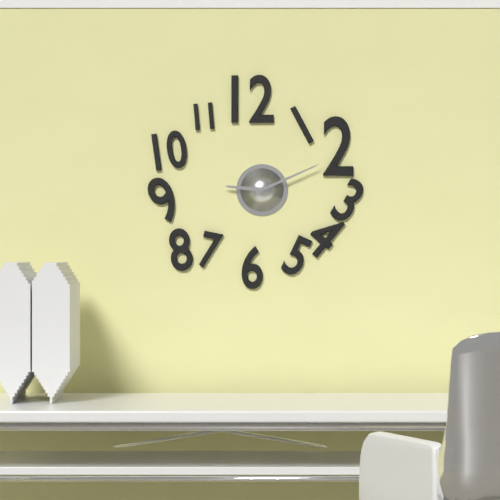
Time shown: {"hour": 9, "minute": 11}
